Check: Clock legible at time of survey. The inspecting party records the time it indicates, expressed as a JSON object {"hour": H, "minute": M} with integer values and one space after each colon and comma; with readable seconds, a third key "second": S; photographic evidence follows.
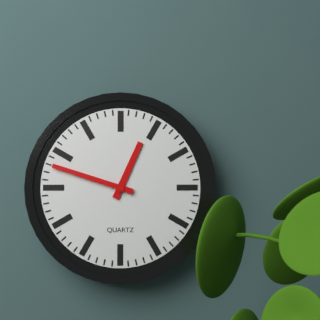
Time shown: {"hour": 12, "minute": 48}
